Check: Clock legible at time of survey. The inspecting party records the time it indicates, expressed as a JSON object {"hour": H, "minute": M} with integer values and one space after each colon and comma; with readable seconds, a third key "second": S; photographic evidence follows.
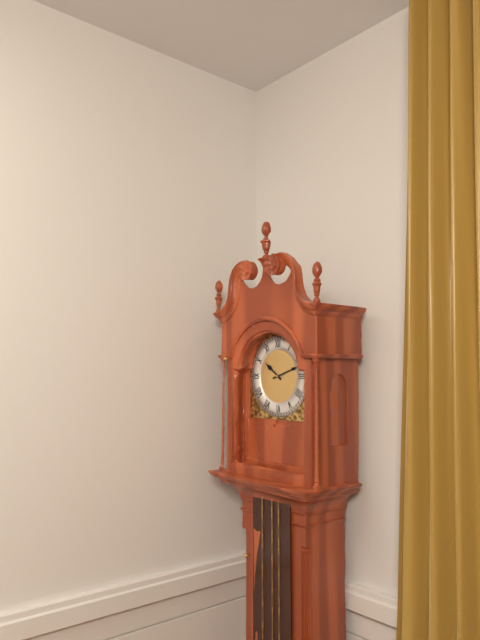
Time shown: {"hour": 10, "minute": 12}
